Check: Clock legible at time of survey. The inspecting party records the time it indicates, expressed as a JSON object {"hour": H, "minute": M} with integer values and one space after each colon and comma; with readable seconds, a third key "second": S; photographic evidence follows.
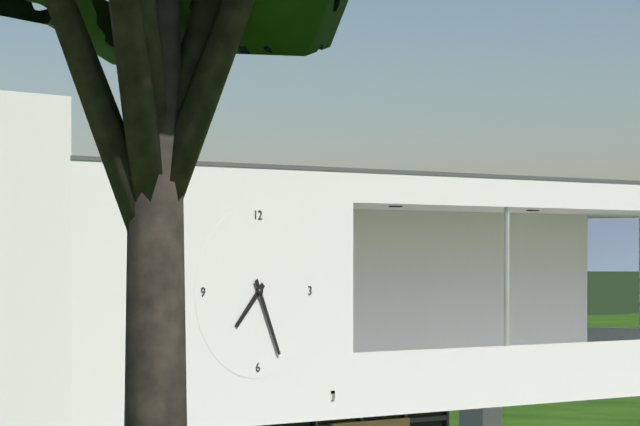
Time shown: {"hour": 7, "minute": 26}
